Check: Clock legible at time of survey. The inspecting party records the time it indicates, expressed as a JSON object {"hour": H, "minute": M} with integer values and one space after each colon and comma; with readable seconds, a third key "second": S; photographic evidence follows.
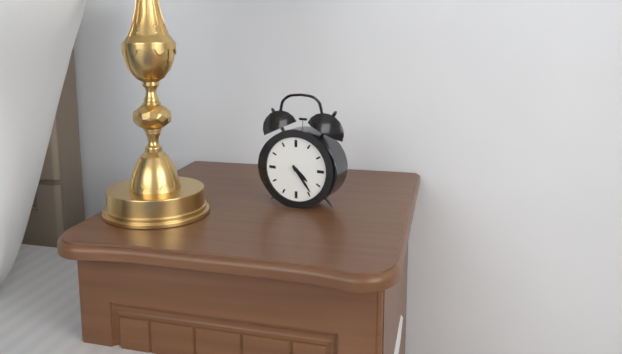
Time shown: {"hour": 4, "minute": 24}
